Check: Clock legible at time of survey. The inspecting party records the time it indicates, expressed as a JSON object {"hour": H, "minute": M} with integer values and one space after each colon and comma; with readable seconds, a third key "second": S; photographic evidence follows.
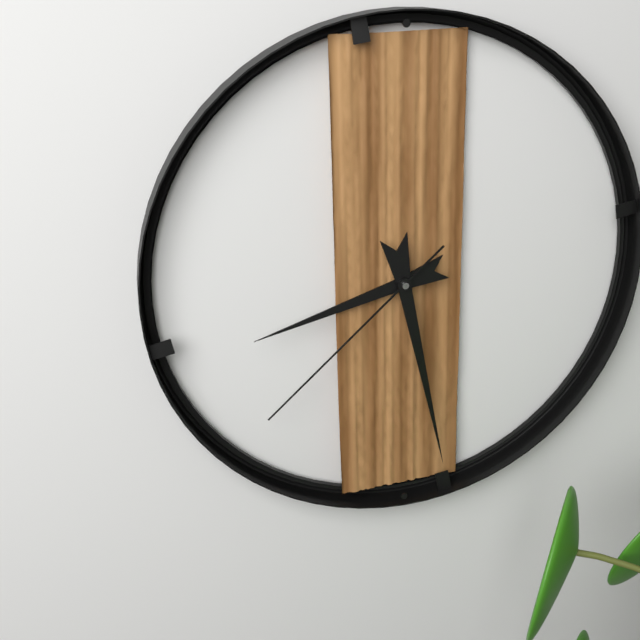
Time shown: {"hour": 8, "minute": 28, "second": 38}
